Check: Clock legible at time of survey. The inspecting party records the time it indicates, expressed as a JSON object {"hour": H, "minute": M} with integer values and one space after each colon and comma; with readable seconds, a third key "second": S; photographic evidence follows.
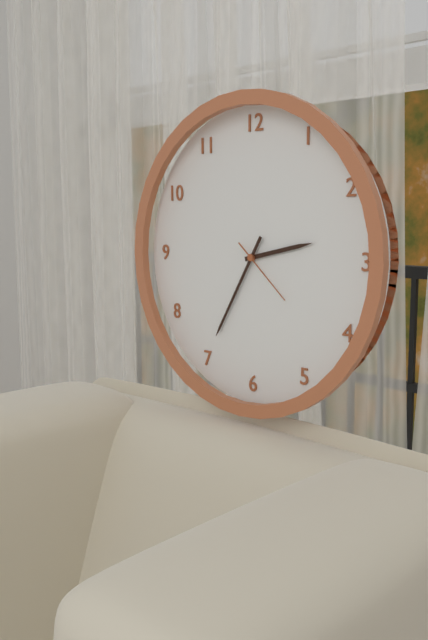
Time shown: {"hour": 2, "minute": 35, "second": 22}
